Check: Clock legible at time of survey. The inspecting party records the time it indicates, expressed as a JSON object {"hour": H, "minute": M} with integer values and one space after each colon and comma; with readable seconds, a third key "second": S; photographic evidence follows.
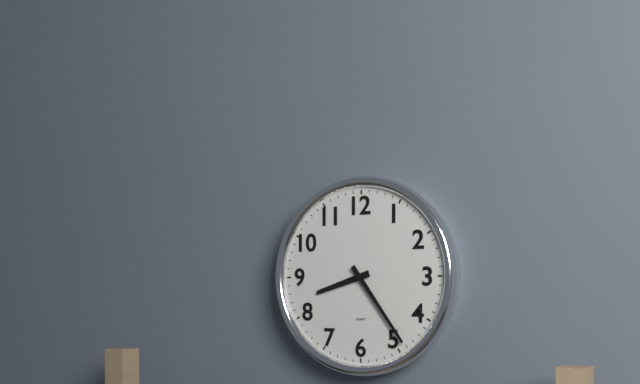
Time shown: {"hour": 8, "minute": 24}
